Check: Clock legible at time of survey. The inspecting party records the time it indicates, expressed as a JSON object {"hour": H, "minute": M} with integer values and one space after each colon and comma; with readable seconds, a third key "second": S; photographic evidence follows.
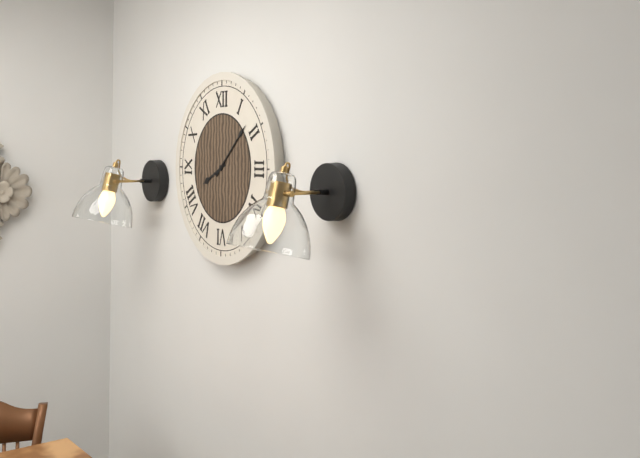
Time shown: {"hour": 8, "minute": 8}
